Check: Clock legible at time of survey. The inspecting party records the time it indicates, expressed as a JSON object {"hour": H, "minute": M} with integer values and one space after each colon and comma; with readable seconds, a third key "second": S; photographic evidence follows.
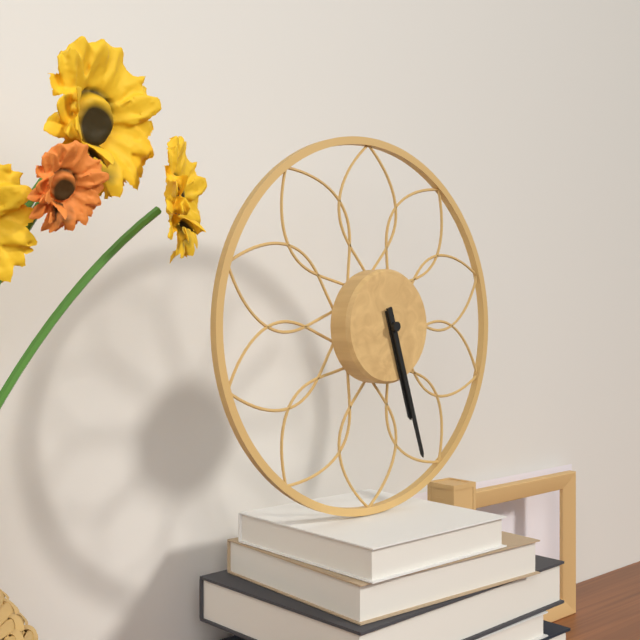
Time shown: {"hour": 5, "minute": 27}
